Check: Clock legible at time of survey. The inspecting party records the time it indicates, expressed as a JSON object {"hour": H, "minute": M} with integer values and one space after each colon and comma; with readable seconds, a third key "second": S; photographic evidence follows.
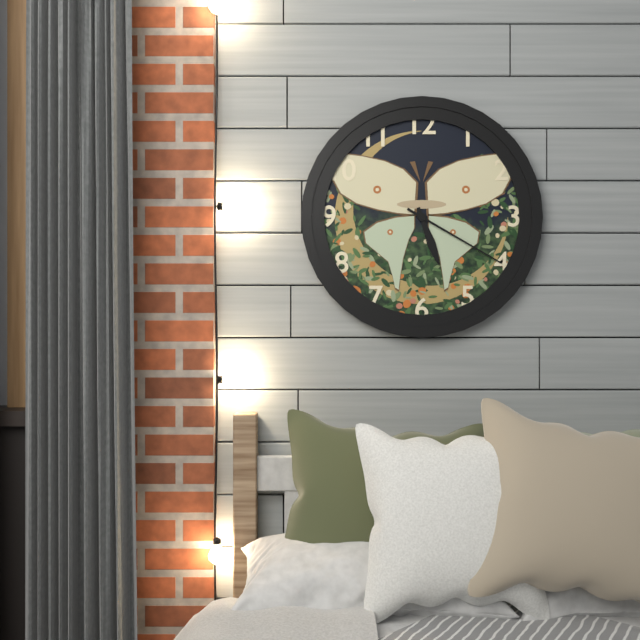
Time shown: {"hour": 5, "minute": 20}
